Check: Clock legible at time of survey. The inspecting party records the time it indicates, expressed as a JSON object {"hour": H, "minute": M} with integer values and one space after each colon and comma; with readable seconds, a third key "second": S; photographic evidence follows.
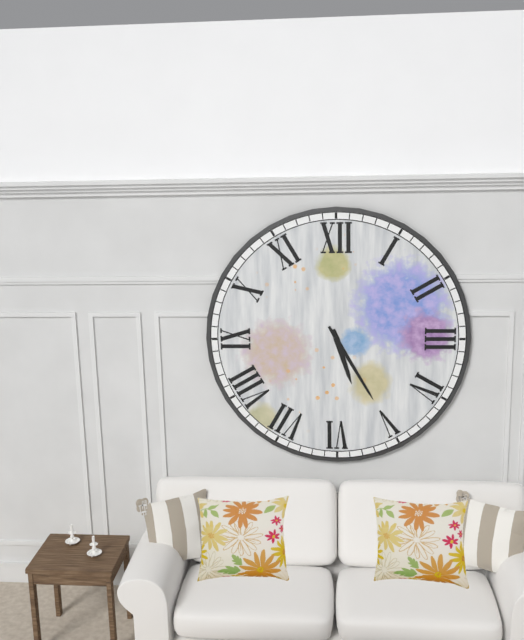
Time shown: {"hour": 5, "minute": 25}
